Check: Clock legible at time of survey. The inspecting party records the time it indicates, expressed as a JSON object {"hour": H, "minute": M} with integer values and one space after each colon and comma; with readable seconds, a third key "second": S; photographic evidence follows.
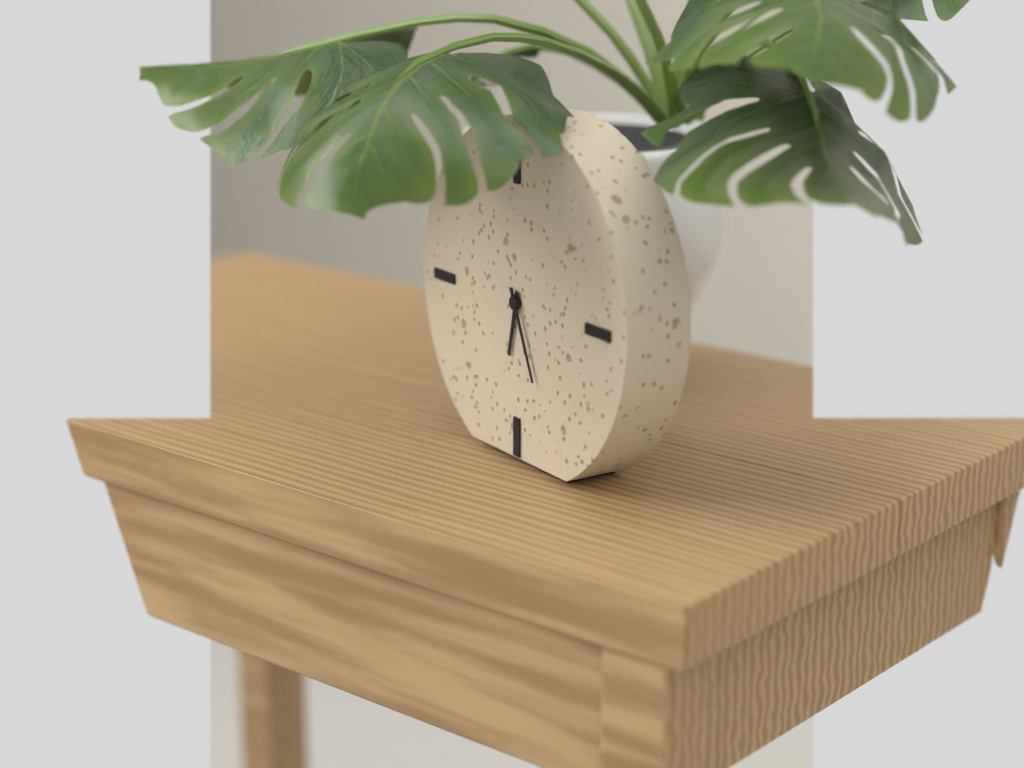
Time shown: {"hour": 6, "minute": 26}
